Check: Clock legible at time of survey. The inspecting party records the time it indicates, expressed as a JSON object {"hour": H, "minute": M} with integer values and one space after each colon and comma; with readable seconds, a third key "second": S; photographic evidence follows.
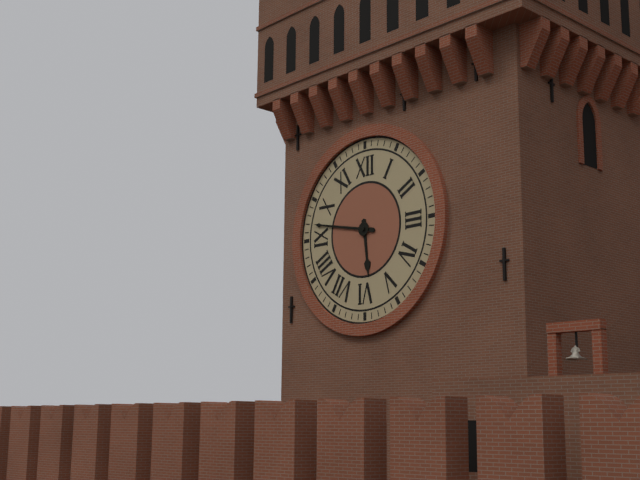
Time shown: {"hour": 5, "minute": 47}
